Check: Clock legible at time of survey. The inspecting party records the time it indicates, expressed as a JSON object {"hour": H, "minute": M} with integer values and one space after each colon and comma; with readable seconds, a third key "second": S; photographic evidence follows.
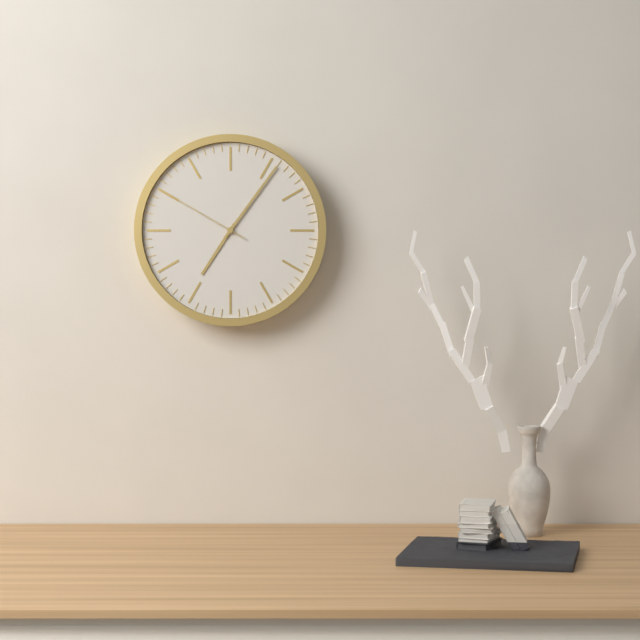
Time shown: {"hour": 7, "minute": 6, "second": 50}
